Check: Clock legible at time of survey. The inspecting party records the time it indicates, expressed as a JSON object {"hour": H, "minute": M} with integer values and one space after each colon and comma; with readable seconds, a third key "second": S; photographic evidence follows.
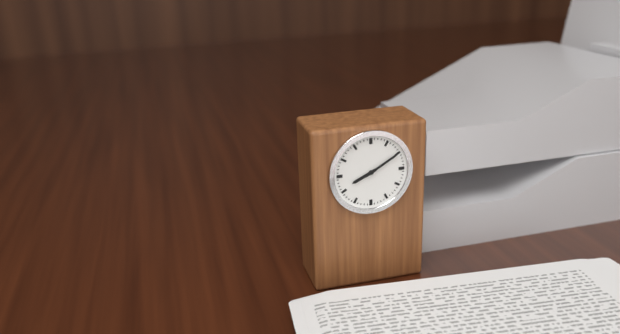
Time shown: {"hour": 8, "minute": 10}
